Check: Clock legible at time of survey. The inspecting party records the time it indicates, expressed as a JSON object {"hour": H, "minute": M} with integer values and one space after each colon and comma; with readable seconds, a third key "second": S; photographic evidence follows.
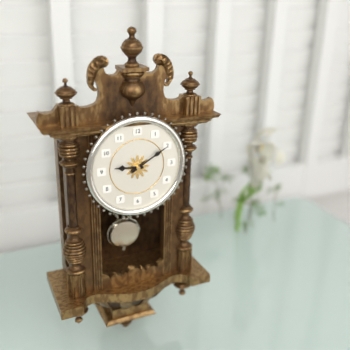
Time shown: {"hour": 9, "minute": 10}
